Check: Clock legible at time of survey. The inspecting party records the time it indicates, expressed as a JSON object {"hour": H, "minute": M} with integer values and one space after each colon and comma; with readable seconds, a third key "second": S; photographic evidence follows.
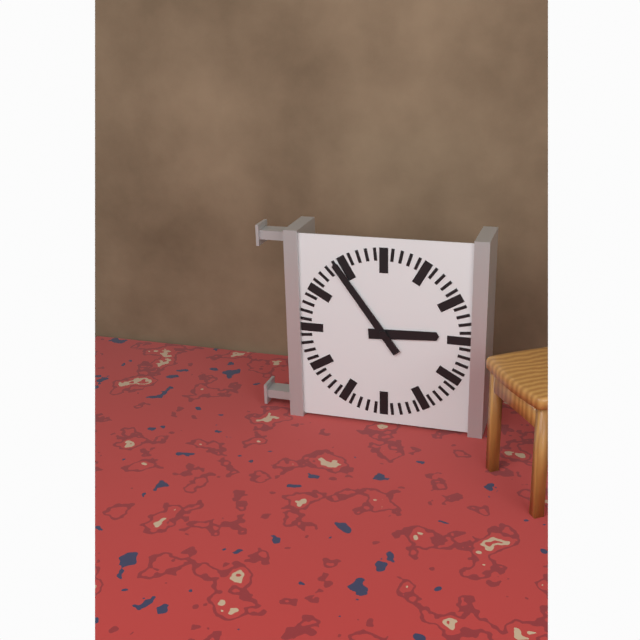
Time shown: {"hour": 2, "minute": 54}
